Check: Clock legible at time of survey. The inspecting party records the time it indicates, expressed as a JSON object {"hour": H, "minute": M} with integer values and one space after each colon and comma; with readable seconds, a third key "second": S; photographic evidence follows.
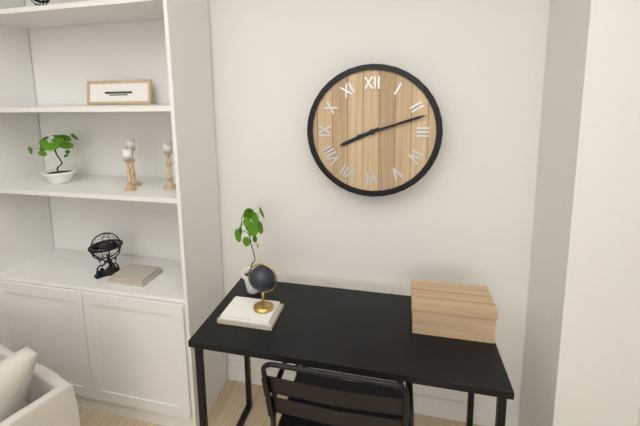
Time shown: {"hour": 8, "minute": 12}
